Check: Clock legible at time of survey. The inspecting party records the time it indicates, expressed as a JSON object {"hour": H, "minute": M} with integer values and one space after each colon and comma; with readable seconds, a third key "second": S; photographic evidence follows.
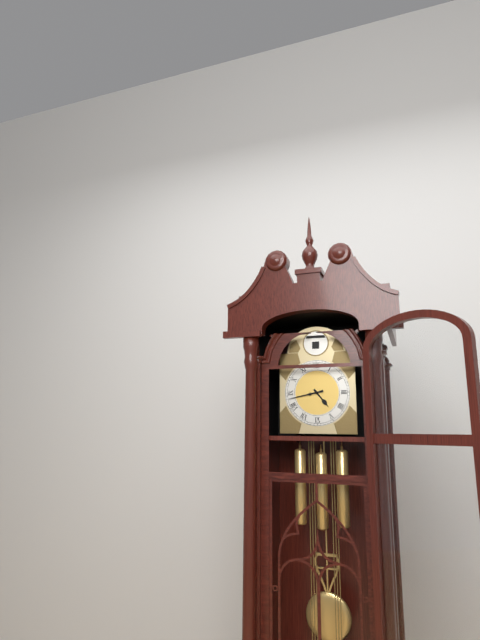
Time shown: {"hour": 4, "minute": 43}
